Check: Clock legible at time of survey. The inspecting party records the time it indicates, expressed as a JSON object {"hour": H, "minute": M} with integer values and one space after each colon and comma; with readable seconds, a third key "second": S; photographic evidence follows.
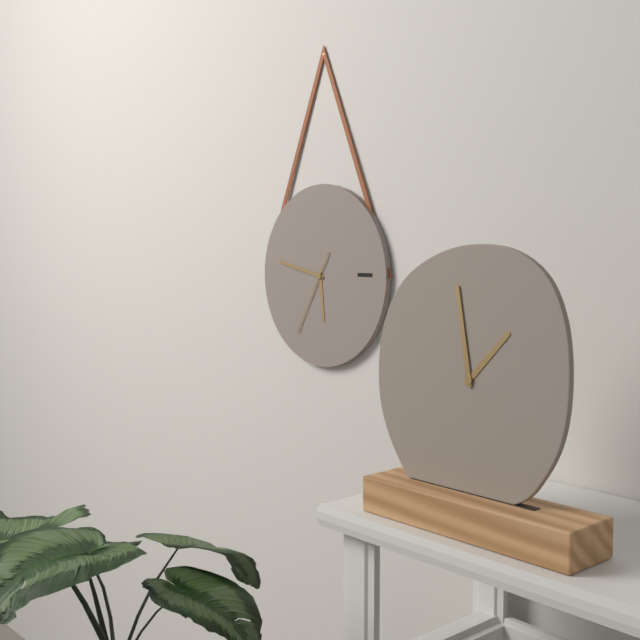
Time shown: {"hour": 5, "minute": 47, "second": 35}
